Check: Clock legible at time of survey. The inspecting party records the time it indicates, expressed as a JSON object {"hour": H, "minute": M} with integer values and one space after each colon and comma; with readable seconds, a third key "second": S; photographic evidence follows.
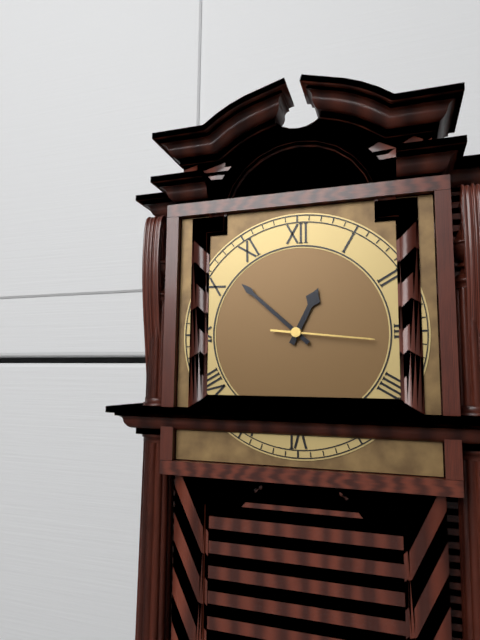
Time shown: {"hour": 12, "minute": 52, "second": 16}
